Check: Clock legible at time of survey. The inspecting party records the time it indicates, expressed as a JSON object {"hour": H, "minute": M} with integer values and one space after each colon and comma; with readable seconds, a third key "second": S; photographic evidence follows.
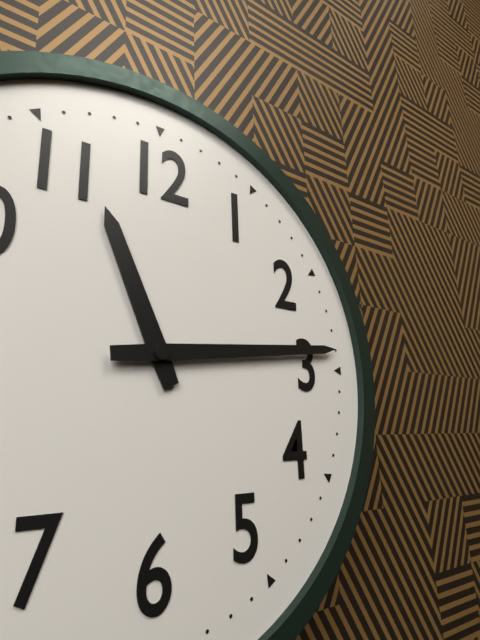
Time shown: {"hour": 11, "minute": 14}
